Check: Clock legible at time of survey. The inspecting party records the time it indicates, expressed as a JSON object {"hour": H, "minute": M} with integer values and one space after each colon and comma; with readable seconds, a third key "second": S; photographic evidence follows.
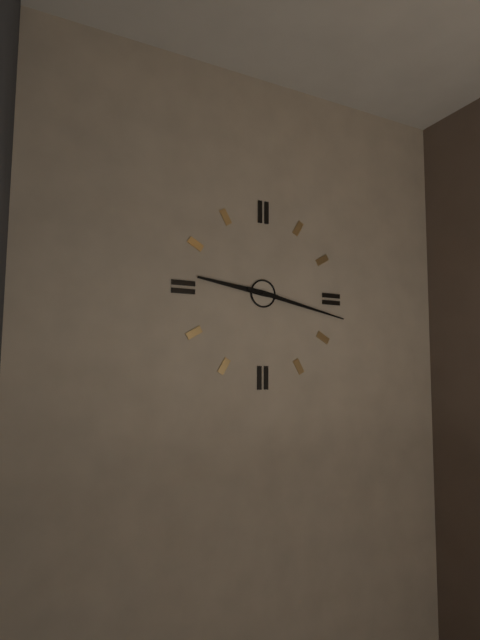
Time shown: {"hour": 9, "minute": 17}
